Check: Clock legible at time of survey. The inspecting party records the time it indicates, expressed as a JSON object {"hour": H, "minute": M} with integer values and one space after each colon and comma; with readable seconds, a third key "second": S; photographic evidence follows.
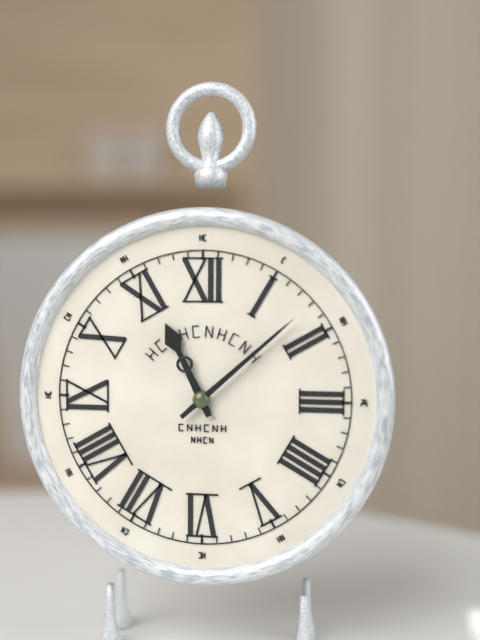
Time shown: {"hour": 11, "minute": 8}
